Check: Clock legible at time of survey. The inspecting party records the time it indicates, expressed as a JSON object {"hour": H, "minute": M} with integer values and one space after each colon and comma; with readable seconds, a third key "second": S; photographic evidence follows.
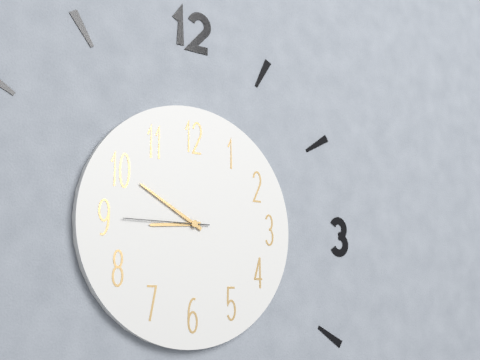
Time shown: {"hour": 8, "minute": 50, "second": 45}
